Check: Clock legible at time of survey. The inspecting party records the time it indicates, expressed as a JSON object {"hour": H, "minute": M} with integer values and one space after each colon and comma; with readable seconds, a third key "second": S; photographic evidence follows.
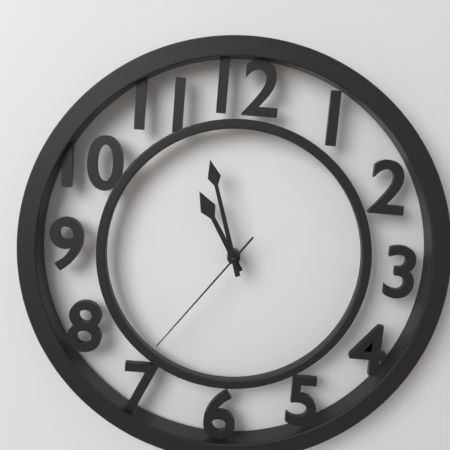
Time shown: {"hour": 10, "minute": 57, "second": 36}
